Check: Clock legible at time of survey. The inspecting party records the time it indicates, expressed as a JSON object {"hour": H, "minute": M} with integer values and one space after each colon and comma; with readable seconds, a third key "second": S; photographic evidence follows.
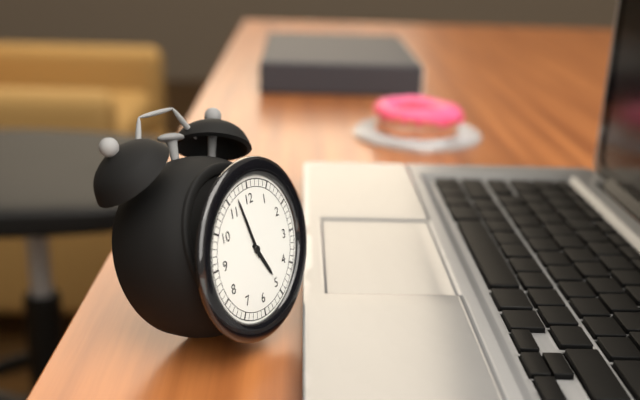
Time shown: {"hour": 4, "minute": 57}
